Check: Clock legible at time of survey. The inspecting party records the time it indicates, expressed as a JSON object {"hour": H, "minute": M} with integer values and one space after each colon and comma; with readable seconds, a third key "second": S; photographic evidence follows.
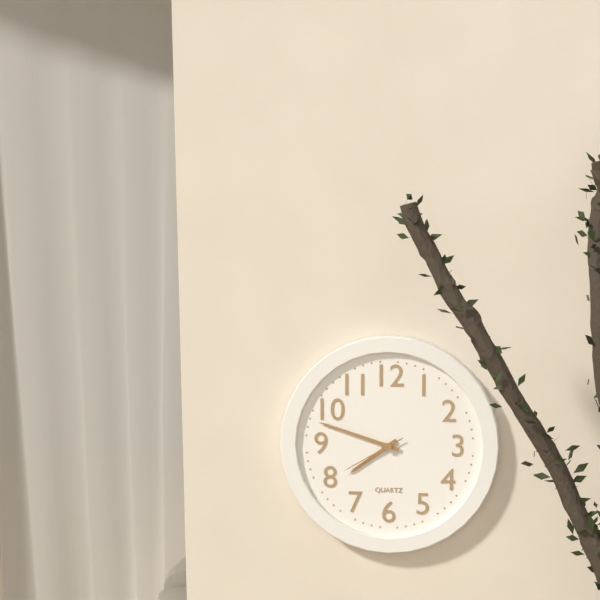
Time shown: {"hour": 7, "minute": 48, "second": 40}
